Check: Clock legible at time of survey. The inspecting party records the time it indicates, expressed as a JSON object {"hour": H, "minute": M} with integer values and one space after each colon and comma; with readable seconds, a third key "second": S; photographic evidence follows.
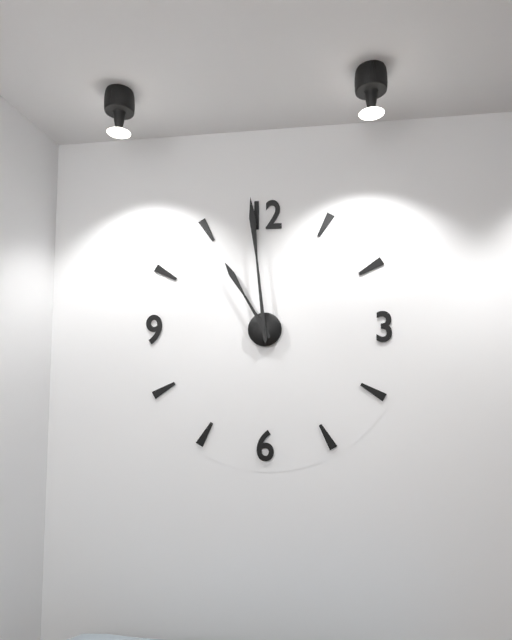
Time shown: {"hour": 10, "minute": 59}
